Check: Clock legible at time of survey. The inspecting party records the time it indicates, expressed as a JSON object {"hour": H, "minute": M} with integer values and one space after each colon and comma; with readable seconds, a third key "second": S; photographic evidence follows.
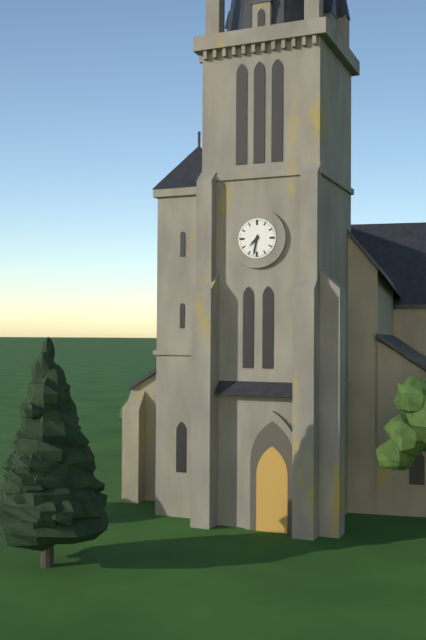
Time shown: {"hour": 7, "minute": 32}
